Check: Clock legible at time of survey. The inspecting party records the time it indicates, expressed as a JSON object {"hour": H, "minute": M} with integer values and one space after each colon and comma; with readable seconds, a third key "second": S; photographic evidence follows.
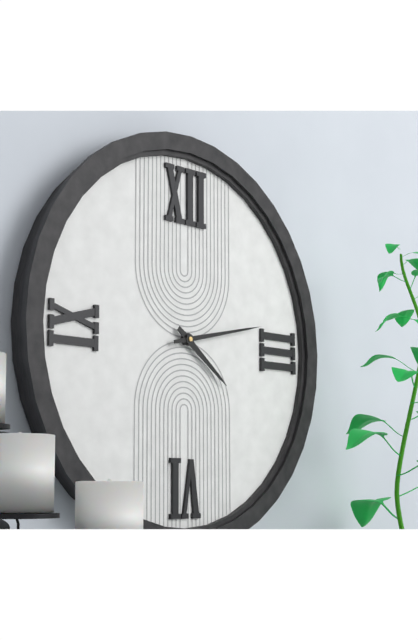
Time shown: {"hour": 4, "minute": 13}
